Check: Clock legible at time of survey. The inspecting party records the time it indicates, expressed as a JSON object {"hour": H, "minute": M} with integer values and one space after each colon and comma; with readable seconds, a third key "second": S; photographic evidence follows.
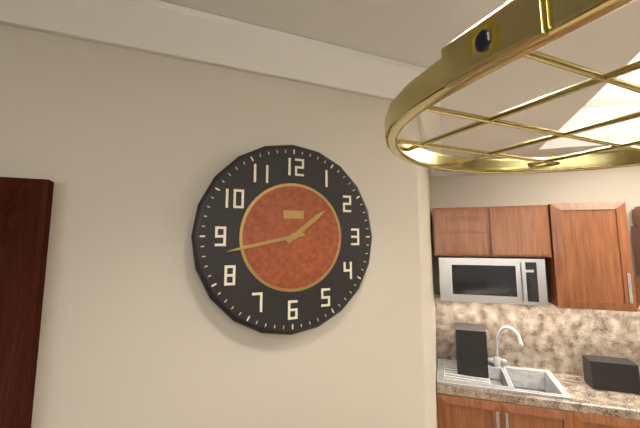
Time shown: {"hour": 1, "minute": 43}
